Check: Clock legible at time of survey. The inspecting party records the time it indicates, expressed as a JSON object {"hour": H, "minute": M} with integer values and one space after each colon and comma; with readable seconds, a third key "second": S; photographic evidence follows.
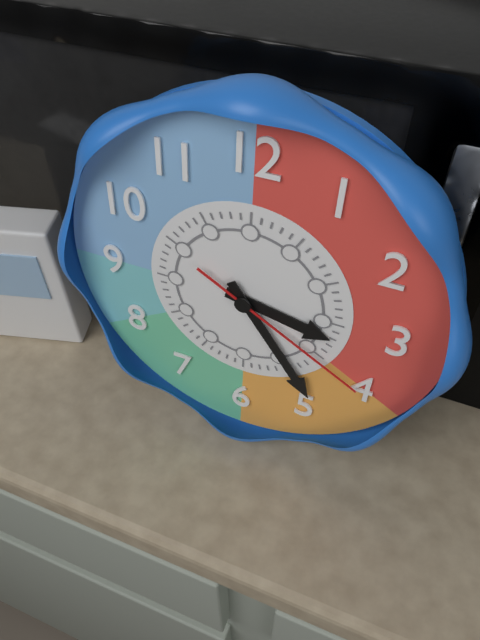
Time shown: {"hour": 3, "minute": 24, "second": 20}
